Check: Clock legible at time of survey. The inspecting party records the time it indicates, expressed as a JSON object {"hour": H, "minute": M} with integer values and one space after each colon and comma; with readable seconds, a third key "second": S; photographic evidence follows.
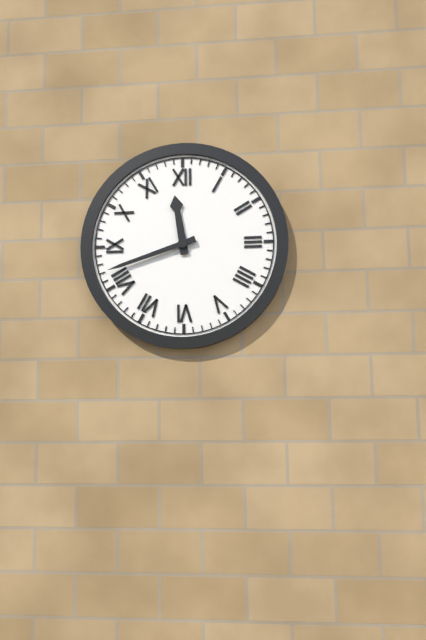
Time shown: {"hour": 11, "minute": 42}
